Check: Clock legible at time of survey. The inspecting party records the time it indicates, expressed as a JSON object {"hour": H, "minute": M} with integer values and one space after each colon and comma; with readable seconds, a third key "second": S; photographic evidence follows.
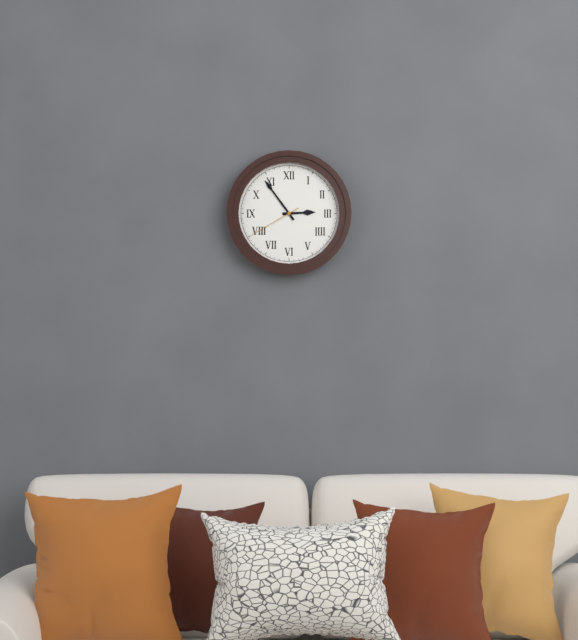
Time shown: {"hour": 2, "minute": 54, "second": 40}
